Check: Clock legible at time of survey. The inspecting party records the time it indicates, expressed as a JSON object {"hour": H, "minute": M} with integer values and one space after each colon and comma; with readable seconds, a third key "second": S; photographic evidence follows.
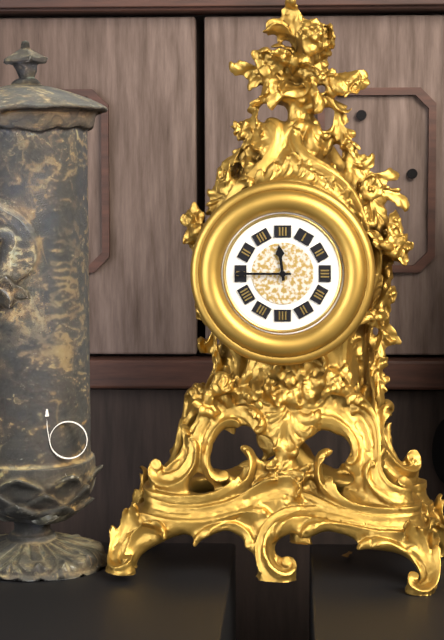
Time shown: {"hour": 11, "minute": 45}
